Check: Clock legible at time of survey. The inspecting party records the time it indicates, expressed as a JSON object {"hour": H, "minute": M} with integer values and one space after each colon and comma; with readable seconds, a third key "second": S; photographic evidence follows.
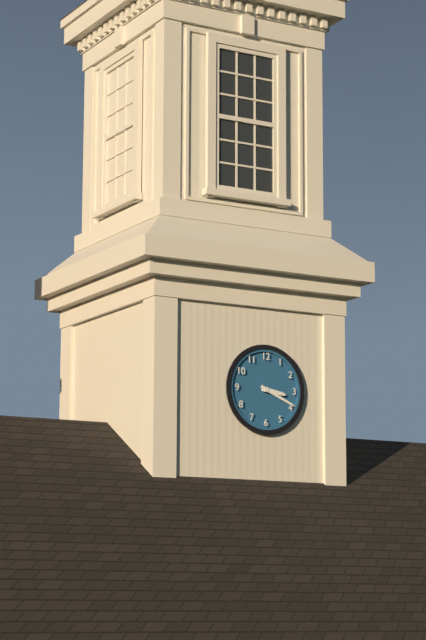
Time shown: {"hour": 3, "minute": 19}
